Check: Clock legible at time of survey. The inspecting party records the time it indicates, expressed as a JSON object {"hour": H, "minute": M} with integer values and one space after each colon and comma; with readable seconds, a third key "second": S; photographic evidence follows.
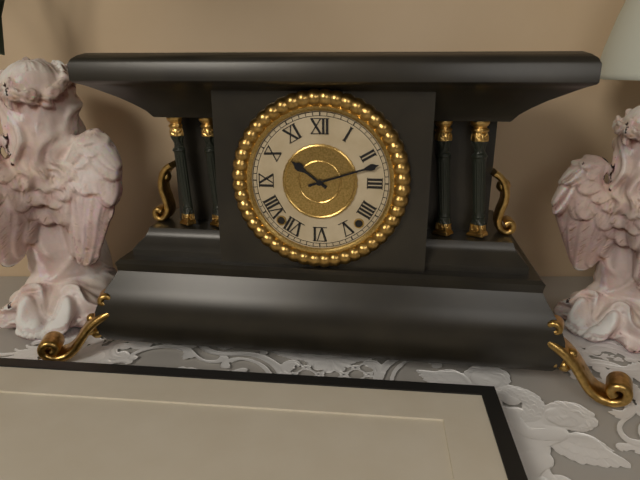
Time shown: {"hour": 10, "minute": 12}
